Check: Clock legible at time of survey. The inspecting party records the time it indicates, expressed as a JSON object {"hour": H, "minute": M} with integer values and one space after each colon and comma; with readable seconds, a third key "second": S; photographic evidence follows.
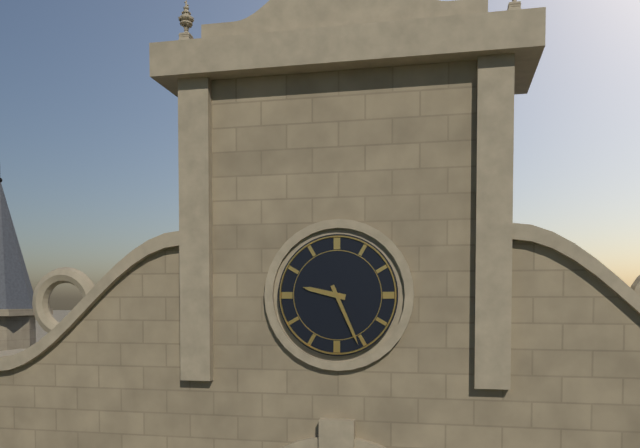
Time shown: {"hour": 9, "minute": 26}
